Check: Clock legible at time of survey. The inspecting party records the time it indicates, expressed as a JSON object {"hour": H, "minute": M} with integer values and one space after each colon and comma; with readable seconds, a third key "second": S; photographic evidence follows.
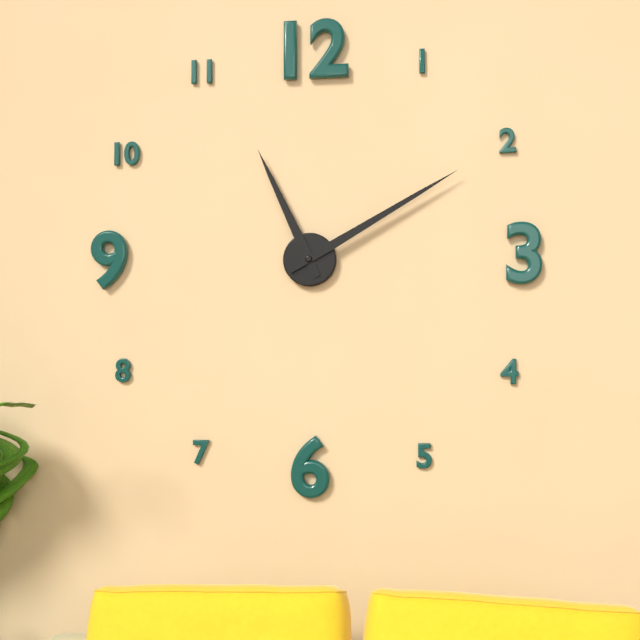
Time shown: {"hour": 11, "minute": 10}
